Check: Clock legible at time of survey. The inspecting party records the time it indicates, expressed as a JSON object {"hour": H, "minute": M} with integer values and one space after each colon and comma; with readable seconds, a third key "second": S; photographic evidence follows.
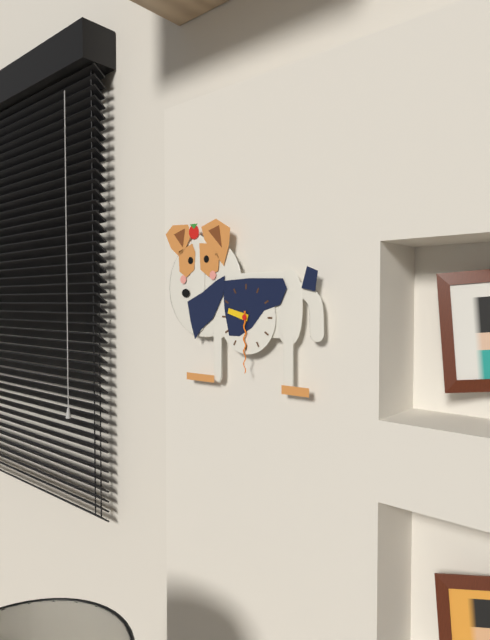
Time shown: {"hour": 9, "minute": 30}
